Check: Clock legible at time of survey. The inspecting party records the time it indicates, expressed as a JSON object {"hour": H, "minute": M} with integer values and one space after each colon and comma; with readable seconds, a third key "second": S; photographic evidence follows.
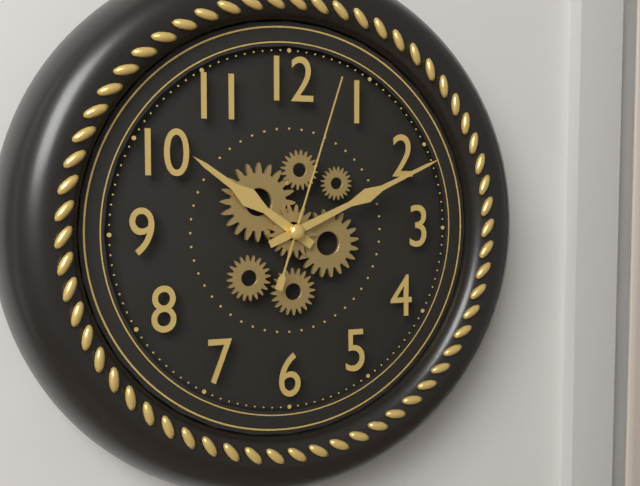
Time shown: {"hour": 10, "minute": 11, "second": 3}
